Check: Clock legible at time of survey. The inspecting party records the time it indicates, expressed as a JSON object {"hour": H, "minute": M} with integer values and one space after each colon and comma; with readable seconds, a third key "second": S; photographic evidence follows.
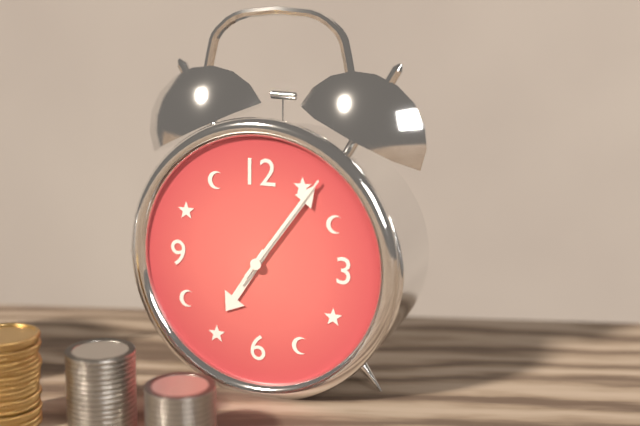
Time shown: {"hour": 7, "minute": 6, "second": 6}
